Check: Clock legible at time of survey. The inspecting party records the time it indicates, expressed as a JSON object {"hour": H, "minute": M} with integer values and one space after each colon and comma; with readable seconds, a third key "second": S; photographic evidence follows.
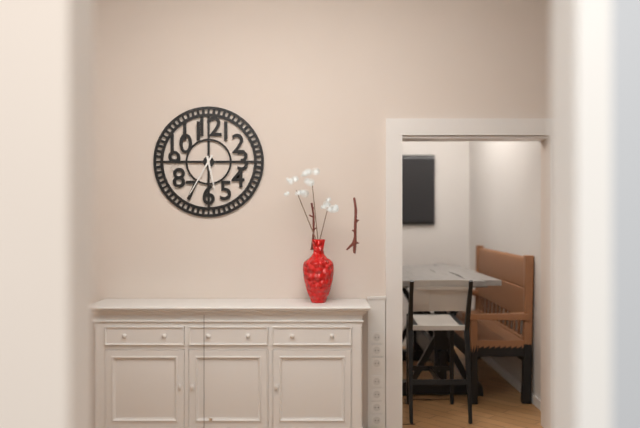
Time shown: {"hour": 5, "minute": 35}
